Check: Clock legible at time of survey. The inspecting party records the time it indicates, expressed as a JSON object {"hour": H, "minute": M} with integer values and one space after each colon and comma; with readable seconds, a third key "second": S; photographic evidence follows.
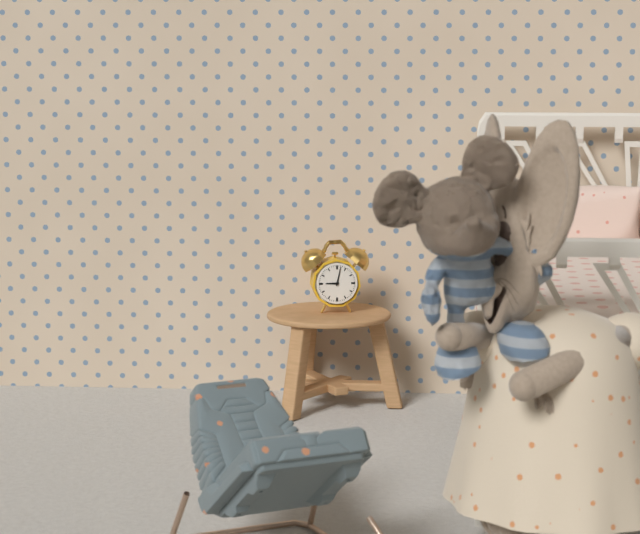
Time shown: {"hour": 9, "minute": 2}
